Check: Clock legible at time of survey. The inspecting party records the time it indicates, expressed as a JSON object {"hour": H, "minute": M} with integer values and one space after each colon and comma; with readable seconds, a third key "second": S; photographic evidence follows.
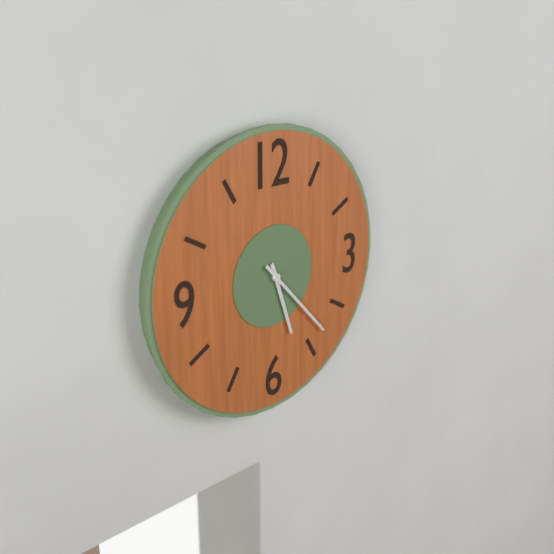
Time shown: {"hour": 5, "minute": 23}
